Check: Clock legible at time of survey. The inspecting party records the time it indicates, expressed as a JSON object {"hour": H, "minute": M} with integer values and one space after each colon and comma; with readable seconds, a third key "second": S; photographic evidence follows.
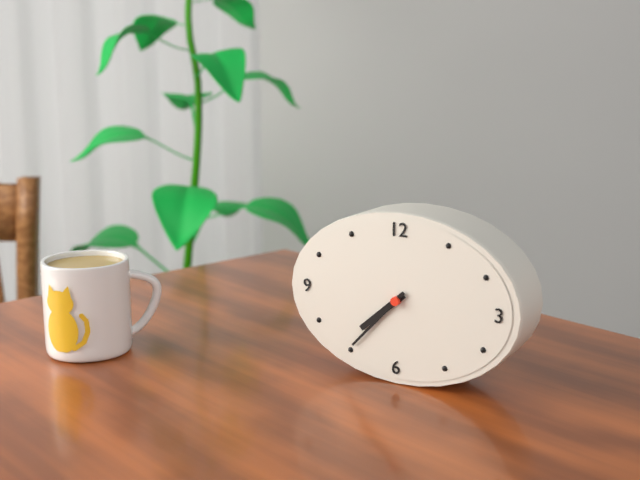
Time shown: {"hour": 7, "minute": 37}
